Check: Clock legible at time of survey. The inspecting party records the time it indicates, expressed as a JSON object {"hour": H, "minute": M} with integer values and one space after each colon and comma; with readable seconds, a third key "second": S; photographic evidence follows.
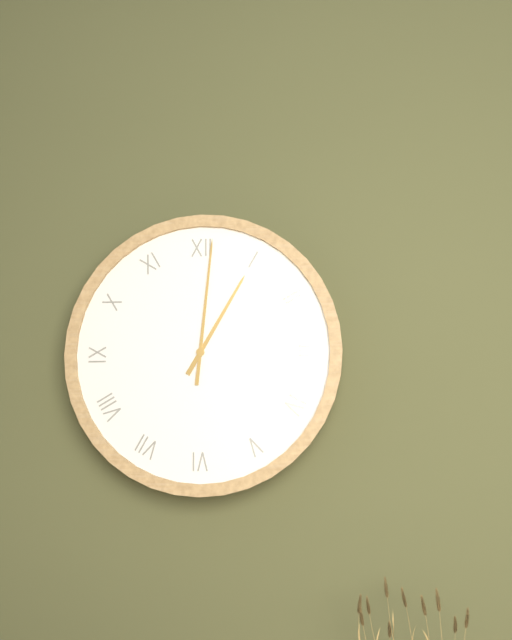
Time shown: {"hour": 1, "minute": 1}
